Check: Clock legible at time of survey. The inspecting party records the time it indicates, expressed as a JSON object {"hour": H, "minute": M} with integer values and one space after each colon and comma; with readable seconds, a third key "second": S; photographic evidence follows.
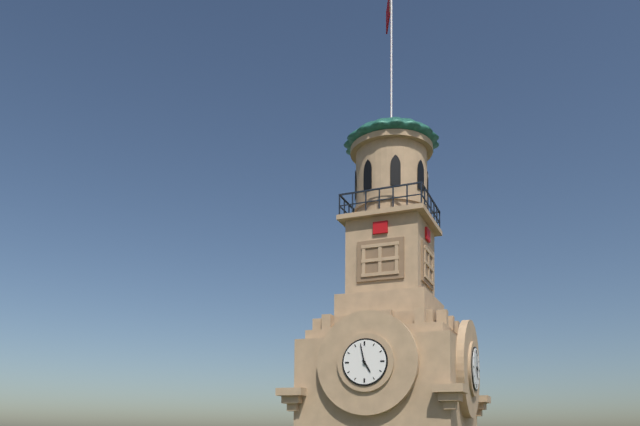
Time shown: {"hour": 4, "minute": 58}
